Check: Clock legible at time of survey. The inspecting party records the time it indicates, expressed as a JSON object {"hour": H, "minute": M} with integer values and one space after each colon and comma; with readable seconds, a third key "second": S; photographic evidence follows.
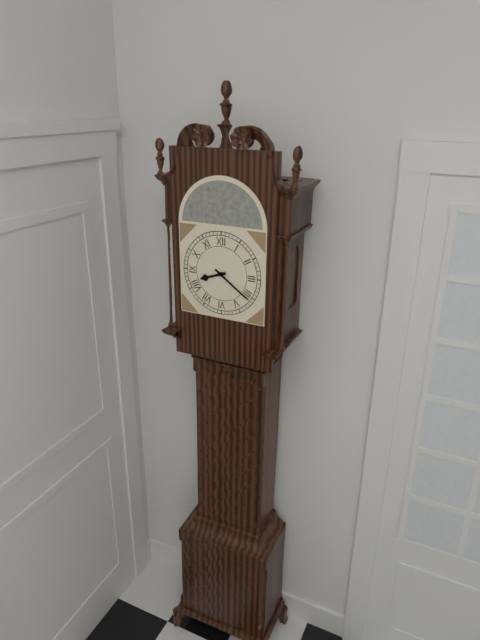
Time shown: {"hour": 8, "minute": 21}
